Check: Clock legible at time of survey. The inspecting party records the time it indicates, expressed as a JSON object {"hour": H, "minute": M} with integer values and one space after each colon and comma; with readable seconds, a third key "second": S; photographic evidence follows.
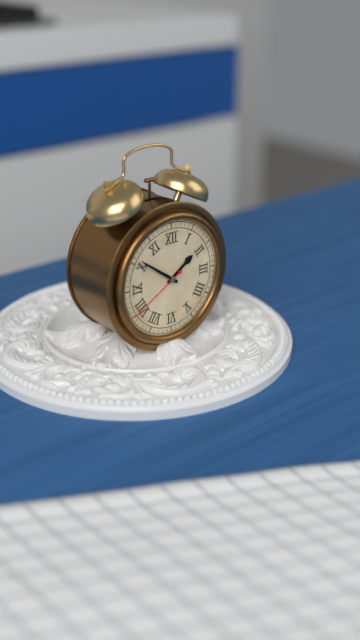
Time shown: {"hour": 1, "minute": 51, "second": 40}
